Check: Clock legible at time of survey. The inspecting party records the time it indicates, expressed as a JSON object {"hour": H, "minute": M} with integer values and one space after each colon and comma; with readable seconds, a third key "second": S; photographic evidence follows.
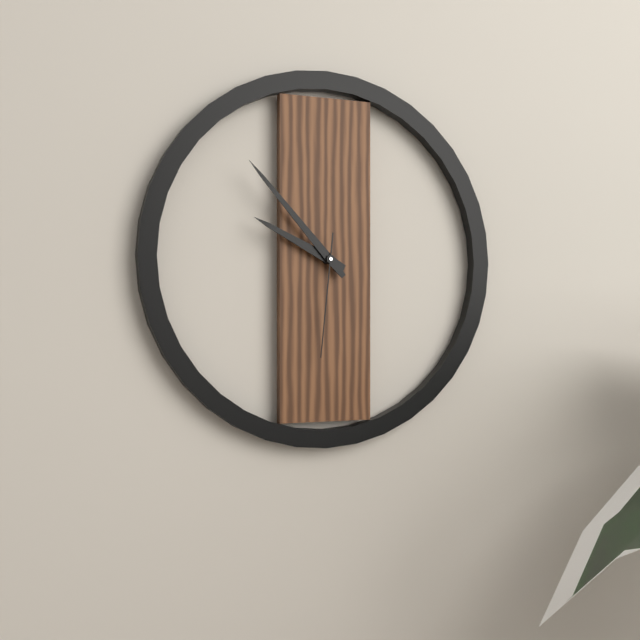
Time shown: {"hour": 9, "minute": 53, "second": 31}
